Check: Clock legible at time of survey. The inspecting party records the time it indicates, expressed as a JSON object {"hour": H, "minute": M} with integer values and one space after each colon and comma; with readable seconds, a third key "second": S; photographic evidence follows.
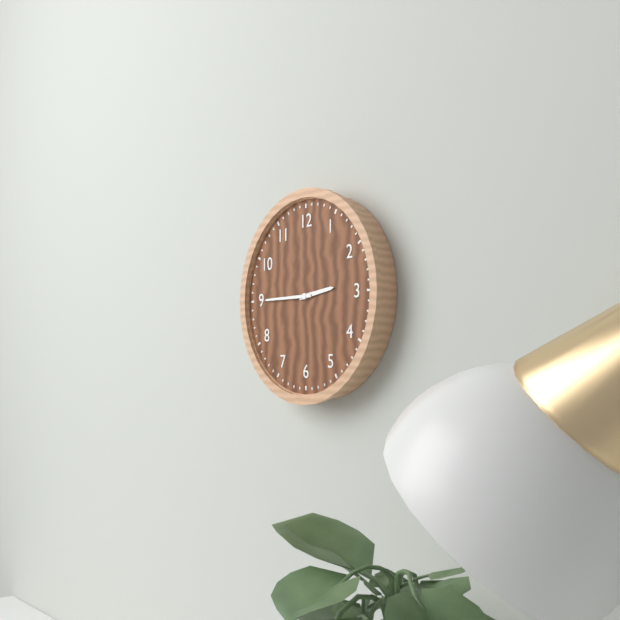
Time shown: {"hour": 2, "minute": 45}
